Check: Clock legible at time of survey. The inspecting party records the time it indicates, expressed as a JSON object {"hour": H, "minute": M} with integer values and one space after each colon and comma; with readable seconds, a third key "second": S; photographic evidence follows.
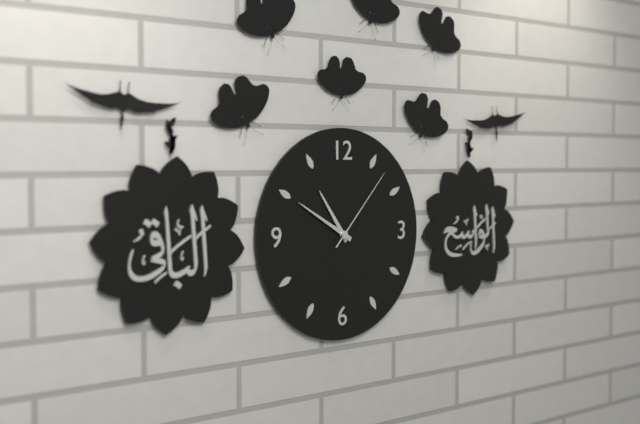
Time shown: {"hour": 10, "minute": 50, "second": 7}
